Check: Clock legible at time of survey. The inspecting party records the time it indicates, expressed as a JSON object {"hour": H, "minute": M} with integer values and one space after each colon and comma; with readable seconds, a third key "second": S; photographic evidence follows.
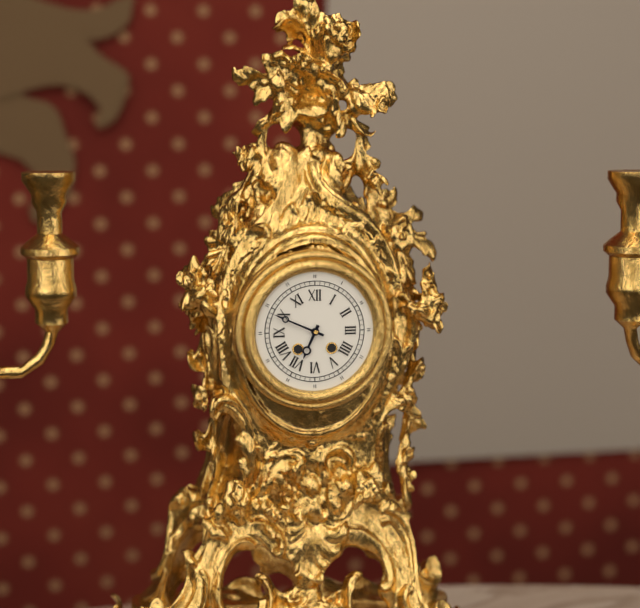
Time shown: {"hour": 6, "minute": 49}
